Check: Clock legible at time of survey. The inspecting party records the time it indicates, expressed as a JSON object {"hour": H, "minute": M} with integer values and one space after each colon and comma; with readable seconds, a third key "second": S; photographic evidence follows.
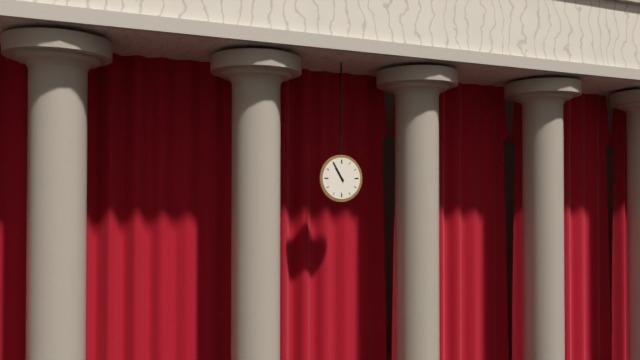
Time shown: {"hour": 10, "minute": 55}
